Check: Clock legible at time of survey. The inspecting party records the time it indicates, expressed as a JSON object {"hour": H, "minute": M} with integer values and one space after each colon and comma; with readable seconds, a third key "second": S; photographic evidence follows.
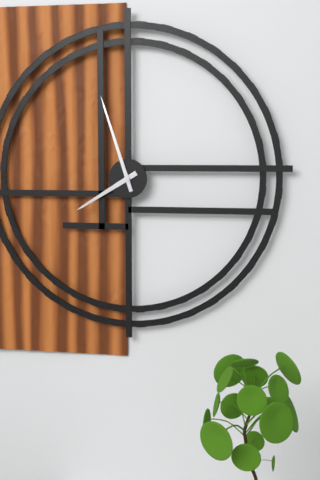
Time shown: {"hour": 7, "minute": 57}
